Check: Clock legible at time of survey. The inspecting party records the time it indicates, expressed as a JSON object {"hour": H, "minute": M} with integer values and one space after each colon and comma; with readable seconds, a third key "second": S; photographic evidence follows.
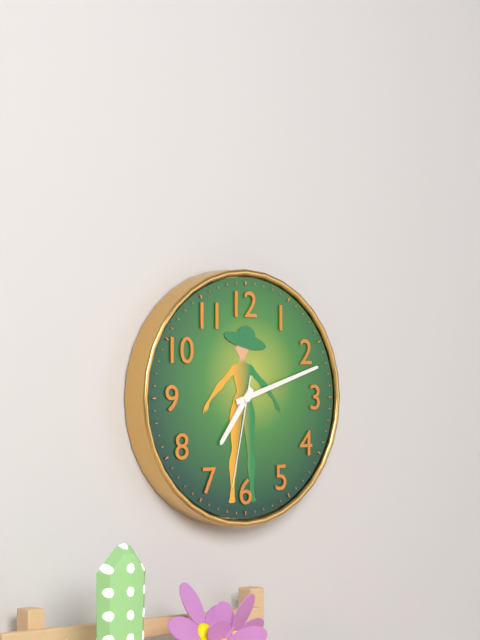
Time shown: {"hour": 7, "minute": 12, "second": 32}
